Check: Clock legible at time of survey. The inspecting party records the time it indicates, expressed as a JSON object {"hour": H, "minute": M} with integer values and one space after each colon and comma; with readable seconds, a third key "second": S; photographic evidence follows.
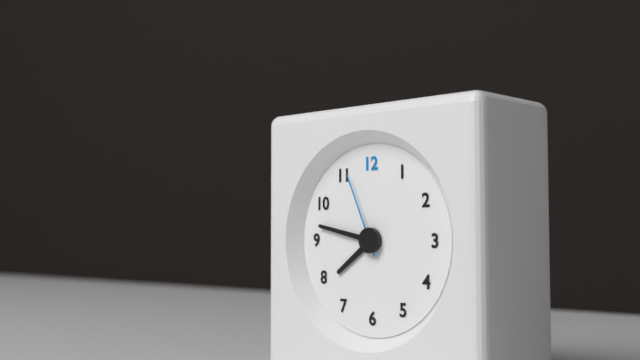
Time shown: {"hour": 7, "minute": 47, "second": 56}
